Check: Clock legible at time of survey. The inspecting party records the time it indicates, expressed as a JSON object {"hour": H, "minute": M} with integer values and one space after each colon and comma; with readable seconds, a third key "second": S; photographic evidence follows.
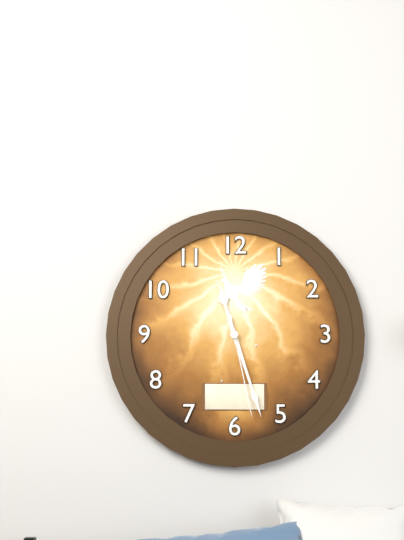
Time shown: {"hour": 11, "minute": 27, "second": 28}
